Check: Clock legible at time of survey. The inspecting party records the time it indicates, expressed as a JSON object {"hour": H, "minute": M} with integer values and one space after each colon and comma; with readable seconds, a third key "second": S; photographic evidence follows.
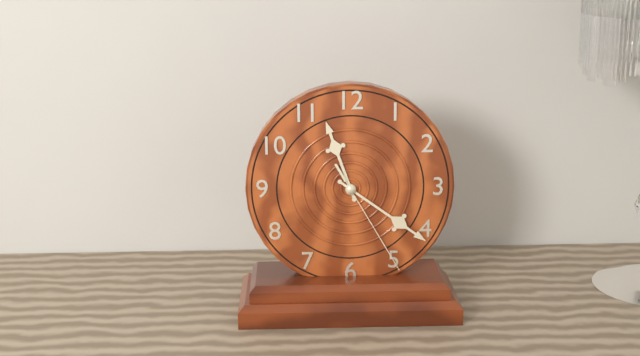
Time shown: {"hour": 11, "minute": 21, "second": 25}
